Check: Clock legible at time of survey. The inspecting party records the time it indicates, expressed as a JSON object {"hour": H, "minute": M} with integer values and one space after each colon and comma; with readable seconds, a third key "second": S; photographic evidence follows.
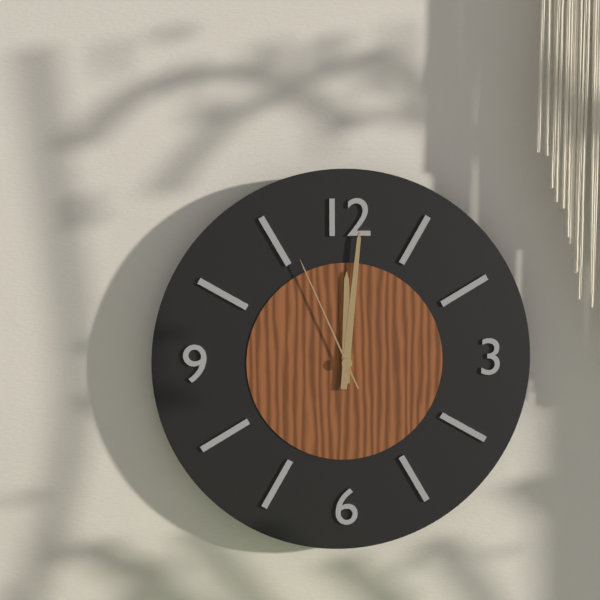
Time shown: {"hour": 12, "minute": 1, "second": 56}
